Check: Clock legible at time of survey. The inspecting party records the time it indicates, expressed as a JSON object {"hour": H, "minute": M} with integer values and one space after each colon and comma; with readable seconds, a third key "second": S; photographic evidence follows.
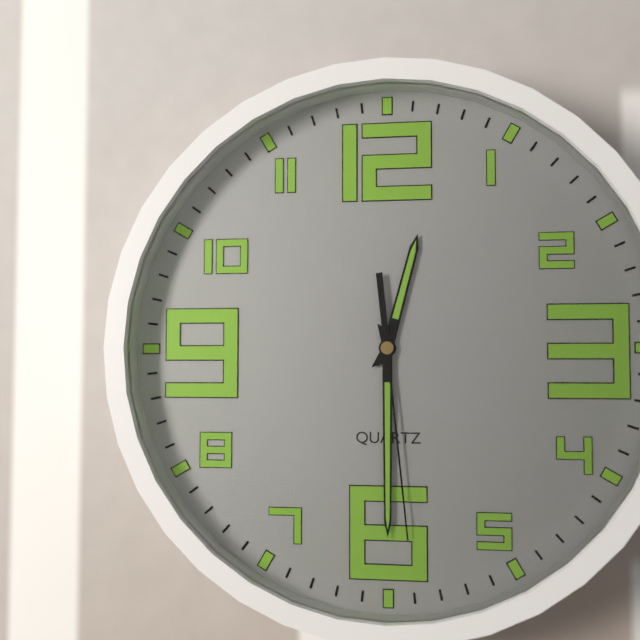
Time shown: {"hour": 12, "minute": 30, "second": 29}
